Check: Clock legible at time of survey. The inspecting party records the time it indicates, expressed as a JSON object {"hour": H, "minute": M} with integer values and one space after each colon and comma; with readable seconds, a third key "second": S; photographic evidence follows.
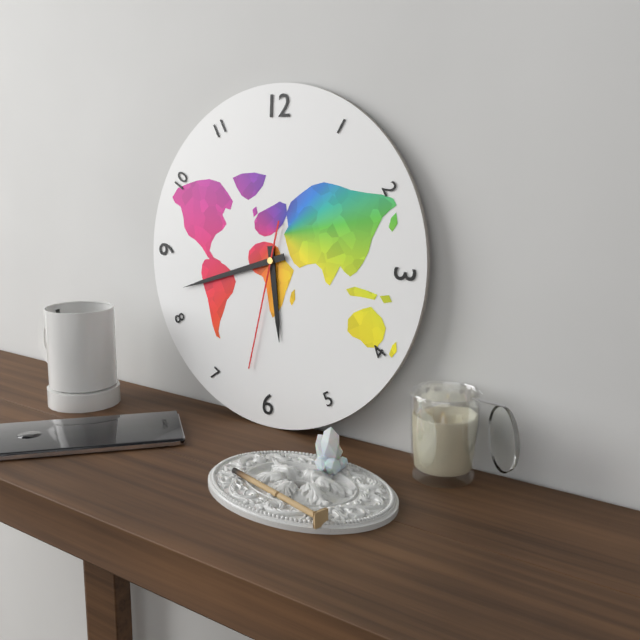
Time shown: {"hour": 5, "minute": 42, "second": 32}
